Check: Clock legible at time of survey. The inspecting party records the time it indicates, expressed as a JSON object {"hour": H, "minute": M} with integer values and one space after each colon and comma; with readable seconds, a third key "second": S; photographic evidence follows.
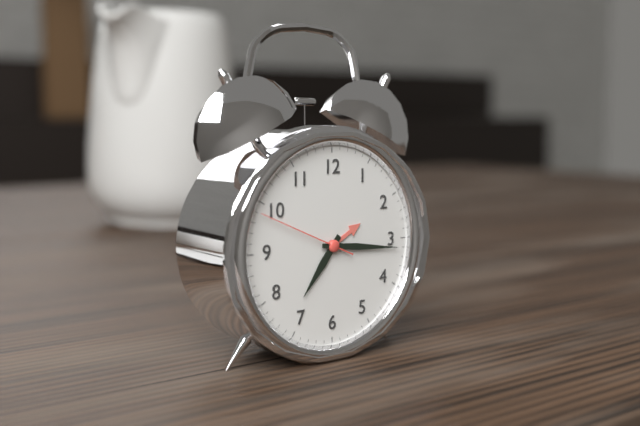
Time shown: {"hour": 7, "minute": 16, "second": 49}
